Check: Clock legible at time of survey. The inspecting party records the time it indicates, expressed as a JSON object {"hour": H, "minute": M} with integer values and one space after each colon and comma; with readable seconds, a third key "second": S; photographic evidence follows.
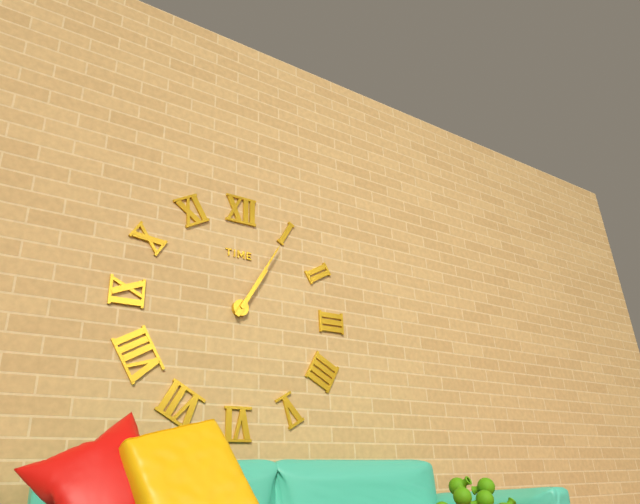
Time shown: {"hour": 1, "minute": 5}
